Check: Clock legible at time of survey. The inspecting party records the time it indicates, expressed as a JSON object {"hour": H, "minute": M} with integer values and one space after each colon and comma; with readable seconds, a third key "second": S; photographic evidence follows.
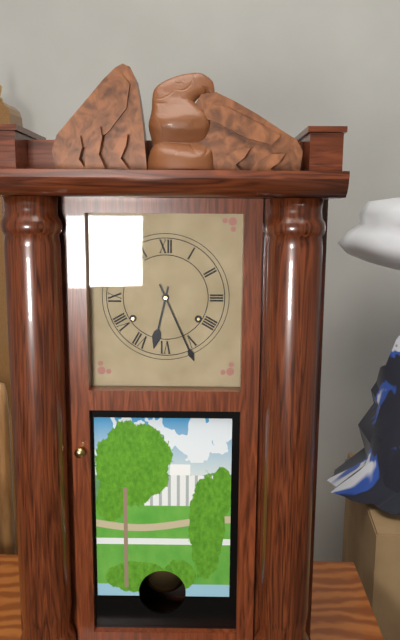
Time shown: {"hour": 6, "minute": 26}
